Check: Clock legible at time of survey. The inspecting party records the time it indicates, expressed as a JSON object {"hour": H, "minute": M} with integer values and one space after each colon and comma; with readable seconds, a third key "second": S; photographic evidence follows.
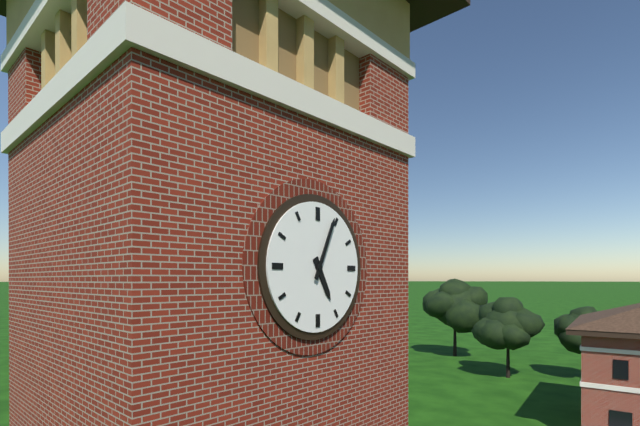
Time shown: {"hour": 5, "minute": 4}
